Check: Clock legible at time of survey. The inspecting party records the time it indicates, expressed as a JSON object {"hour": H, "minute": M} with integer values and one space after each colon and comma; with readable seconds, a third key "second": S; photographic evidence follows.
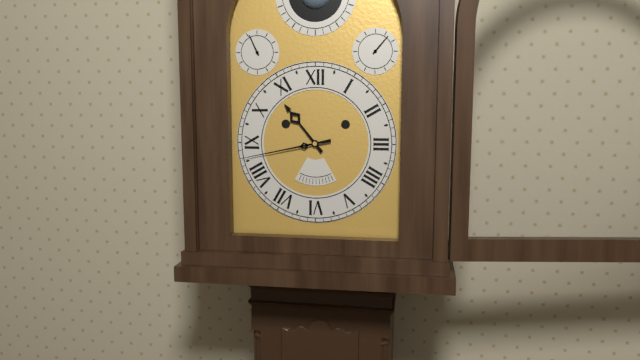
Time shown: {"hour": 10, "minute": 43}
